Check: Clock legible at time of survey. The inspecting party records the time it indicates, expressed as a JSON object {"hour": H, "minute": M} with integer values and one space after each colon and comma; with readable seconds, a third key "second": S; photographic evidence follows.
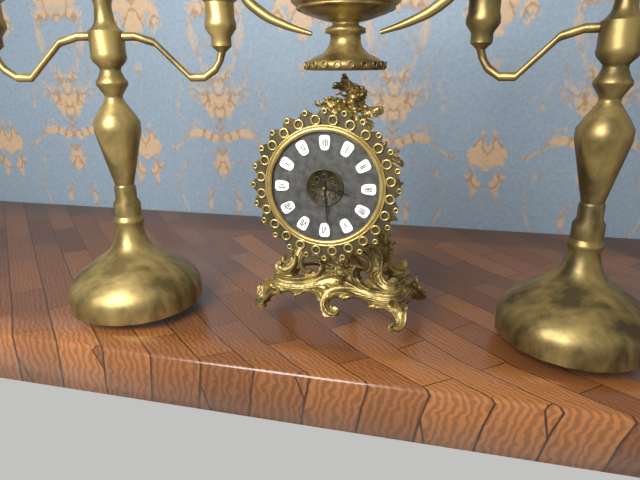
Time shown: {"hour": 3, "minute": 29}
